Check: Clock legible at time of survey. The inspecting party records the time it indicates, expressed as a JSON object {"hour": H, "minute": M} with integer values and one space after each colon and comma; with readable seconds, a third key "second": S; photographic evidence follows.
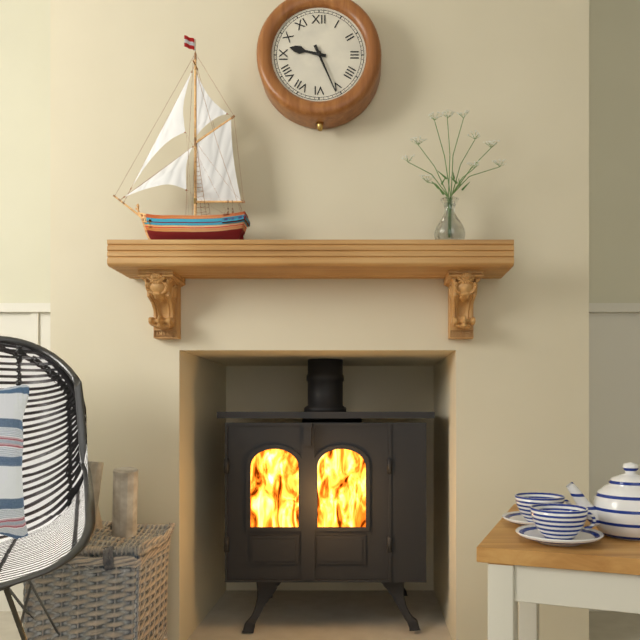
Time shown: {"hour": 9, "minute": 26}
